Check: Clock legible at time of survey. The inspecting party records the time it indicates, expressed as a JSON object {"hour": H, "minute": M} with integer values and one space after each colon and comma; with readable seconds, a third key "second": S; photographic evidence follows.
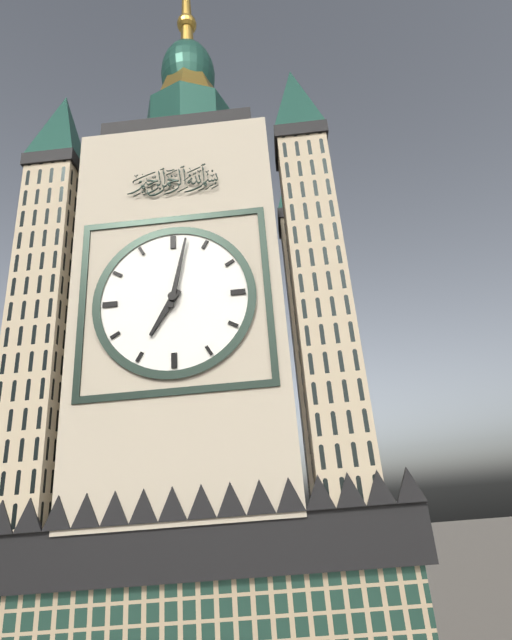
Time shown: {"hour": 7, "minute": 2}
